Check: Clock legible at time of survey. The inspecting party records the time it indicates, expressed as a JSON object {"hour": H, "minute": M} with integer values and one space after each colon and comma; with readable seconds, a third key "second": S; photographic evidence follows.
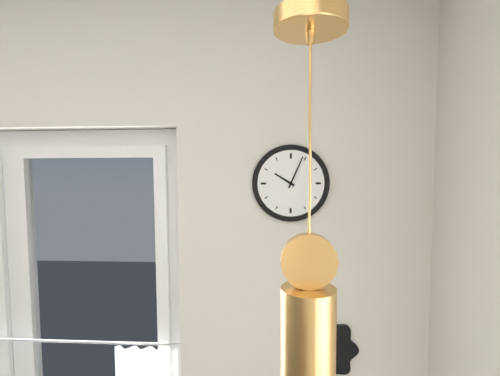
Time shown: {"hour": 10, "minute": 4}
